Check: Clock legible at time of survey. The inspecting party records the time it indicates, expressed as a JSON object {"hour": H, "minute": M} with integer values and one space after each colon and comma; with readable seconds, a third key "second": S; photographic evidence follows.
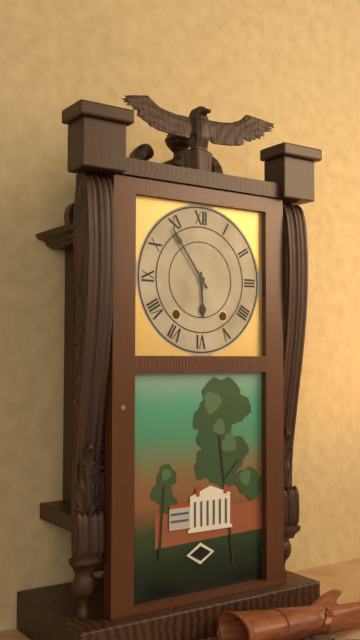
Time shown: {"hour": 5, "minute": 54}
